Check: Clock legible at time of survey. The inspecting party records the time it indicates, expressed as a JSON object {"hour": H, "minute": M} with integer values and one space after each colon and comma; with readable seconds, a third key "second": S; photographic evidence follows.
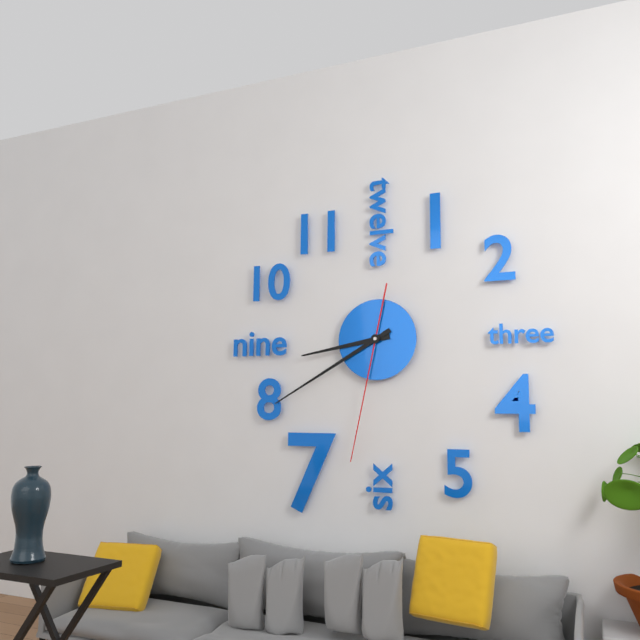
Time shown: {"hour": 8, "minute": 40, "second": 32}
